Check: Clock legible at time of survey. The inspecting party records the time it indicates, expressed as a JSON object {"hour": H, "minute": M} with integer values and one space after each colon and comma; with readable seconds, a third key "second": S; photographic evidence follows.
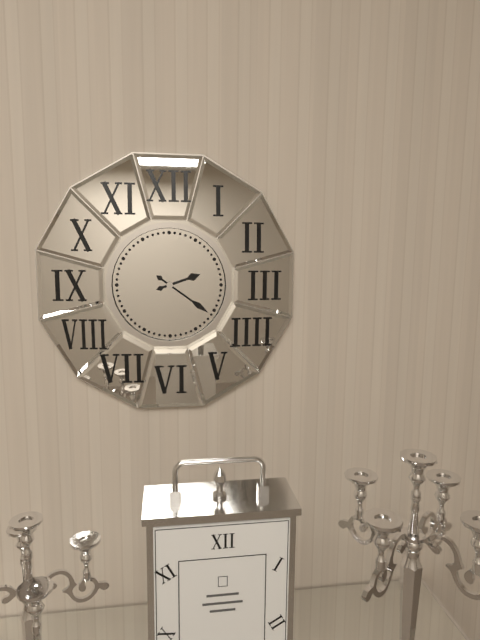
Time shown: {"hour": 2, "minute": 21}
